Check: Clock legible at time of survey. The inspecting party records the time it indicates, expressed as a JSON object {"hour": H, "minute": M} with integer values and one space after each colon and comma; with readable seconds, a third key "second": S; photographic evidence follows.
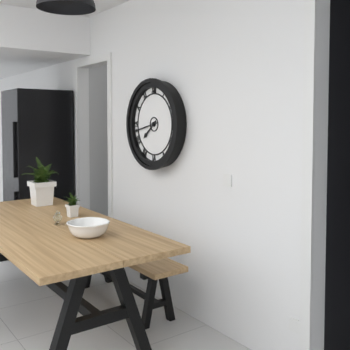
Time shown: {"hour": 7, "minute": 43}
